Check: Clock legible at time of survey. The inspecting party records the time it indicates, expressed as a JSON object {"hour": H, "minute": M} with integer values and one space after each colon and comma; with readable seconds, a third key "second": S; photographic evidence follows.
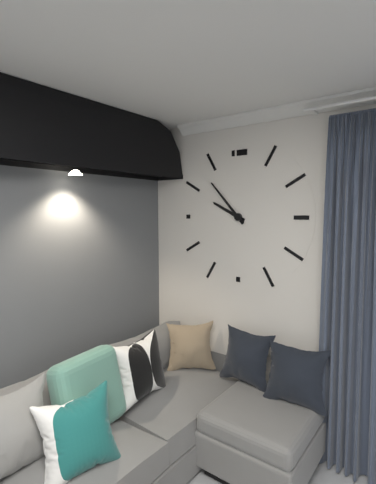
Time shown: {"hour": 9, "minute": 53}
